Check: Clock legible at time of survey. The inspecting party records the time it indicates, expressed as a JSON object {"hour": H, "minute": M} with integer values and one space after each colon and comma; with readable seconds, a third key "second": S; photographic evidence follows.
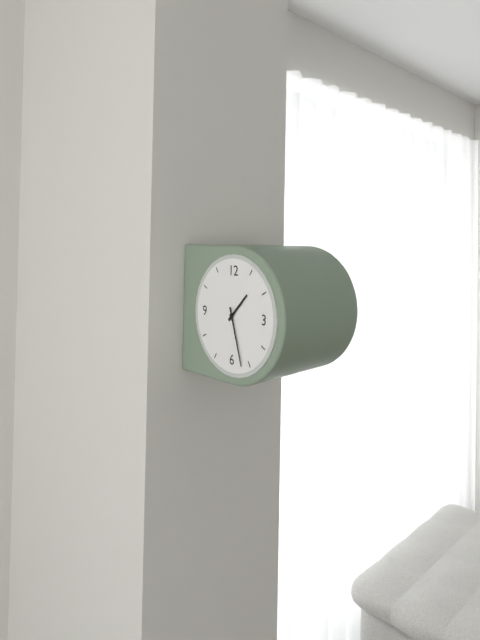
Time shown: {"hour": 1, "minute": 27}
